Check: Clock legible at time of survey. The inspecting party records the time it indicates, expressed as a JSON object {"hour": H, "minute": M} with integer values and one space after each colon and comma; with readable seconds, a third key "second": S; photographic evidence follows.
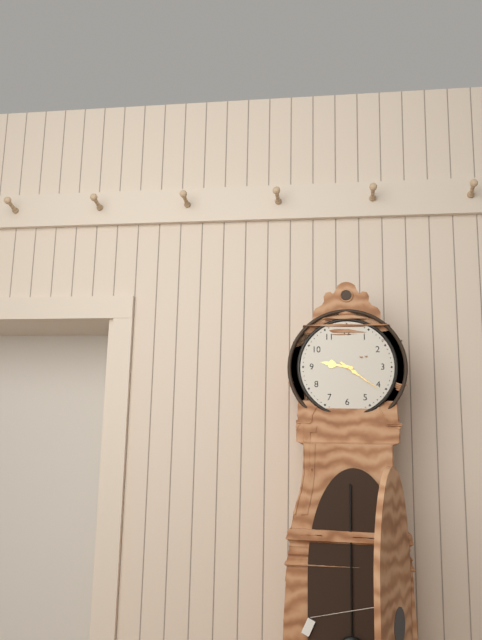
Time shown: {"hour": 9, "minute": 21}
